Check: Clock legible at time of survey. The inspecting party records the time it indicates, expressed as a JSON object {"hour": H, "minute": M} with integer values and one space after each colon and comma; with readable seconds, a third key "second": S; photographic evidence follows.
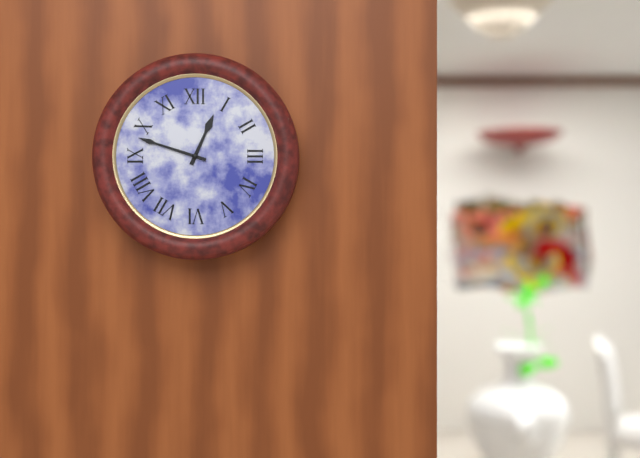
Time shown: {"hour": 12, "minute": 48}
